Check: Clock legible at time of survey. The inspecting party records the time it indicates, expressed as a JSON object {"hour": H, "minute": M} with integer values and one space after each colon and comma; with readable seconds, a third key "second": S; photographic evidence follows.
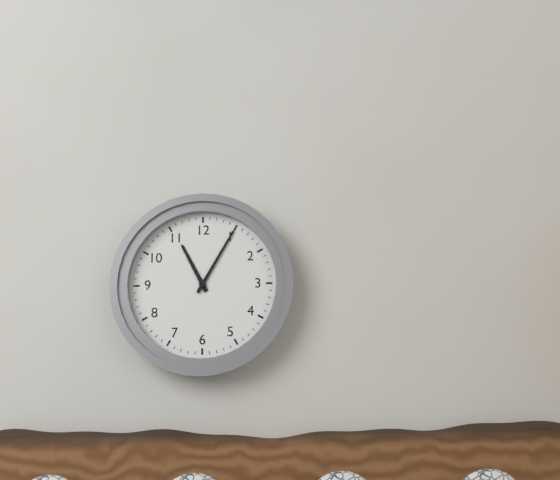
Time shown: {"hour": 11, "minute": 5}
